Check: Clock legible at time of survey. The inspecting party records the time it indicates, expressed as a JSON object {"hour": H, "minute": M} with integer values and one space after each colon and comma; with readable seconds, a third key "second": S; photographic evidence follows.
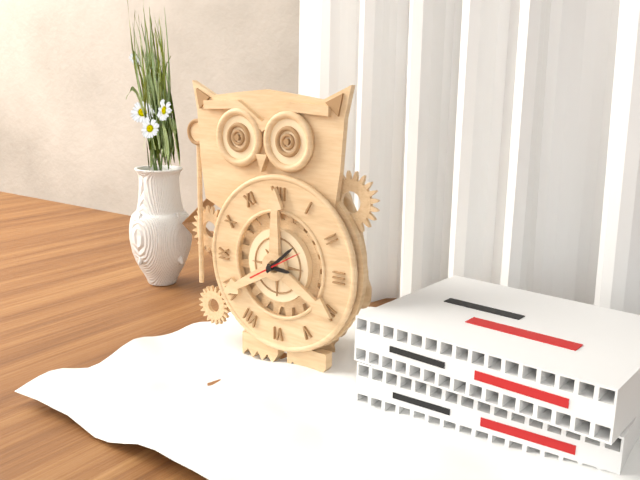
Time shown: {"hour": 3, "minute": 8}
